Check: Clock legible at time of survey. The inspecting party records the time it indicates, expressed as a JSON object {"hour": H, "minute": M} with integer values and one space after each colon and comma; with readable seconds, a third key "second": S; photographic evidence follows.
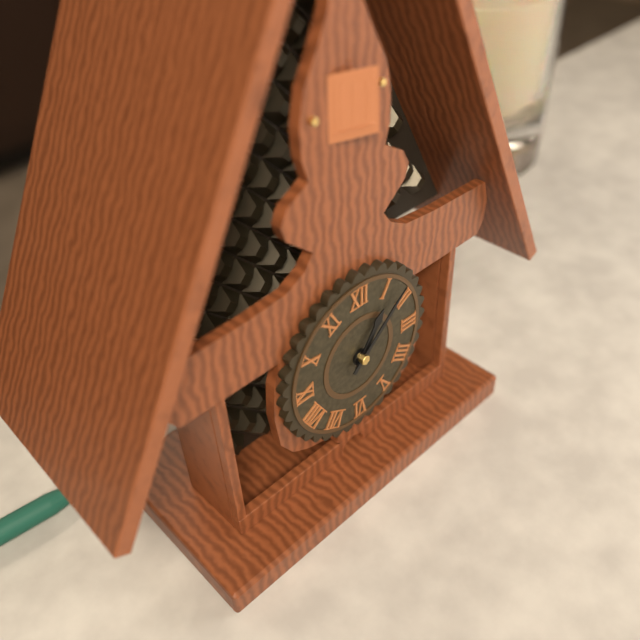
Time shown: {"hour": 1, "minute": 8}
